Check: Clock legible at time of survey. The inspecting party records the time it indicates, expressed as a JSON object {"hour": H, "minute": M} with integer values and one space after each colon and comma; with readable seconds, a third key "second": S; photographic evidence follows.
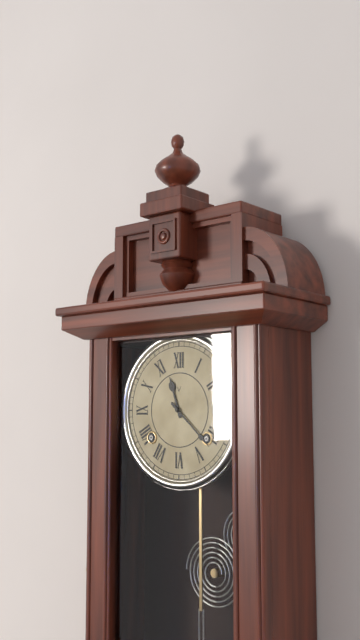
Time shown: {"hour": 11, "minute": 22}
